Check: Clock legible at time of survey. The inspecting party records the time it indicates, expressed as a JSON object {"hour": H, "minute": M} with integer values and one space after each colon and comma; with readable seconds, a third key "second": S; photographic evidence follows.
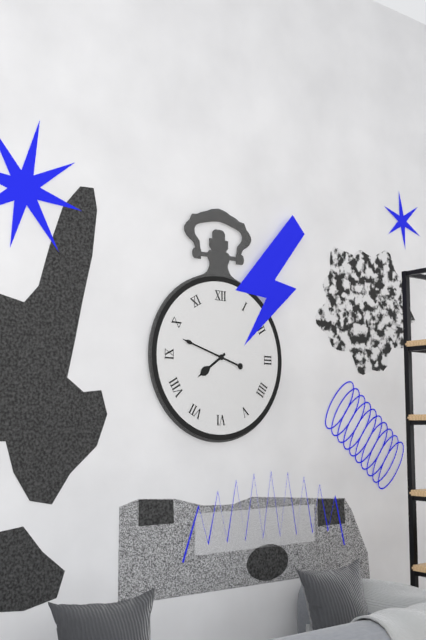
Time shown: {"hour": 7, "minute": 48}
